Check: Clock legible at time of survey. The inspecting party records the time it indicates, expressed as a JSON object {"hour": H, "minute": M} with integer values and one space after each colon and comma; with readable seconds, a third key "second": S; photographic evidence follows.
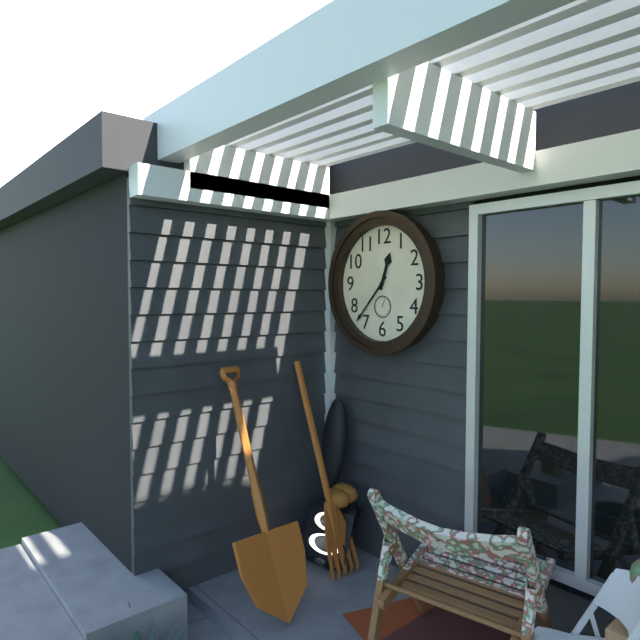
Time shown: {"hour": 12, "minute": 37}
